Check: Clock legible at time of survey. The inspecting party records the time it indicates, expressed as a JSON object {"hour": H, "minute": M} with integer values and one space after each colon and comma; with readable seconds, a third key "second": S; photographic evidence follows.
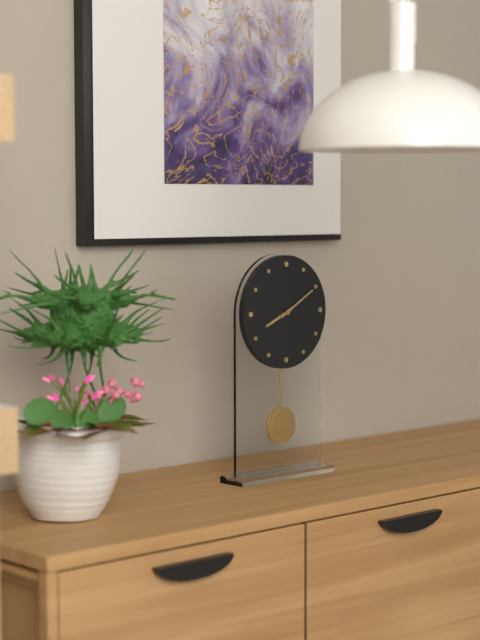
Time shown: {"hour": 8, "minute": 10}
